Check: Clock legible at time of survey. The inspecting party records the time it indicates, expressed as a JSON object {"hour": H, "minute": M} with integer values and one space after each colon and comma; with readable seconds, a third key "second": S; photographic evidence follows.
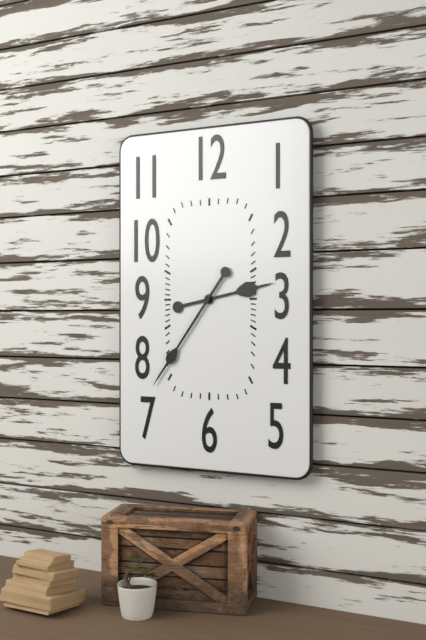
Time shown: {"hour": 2, "minute": 36}
